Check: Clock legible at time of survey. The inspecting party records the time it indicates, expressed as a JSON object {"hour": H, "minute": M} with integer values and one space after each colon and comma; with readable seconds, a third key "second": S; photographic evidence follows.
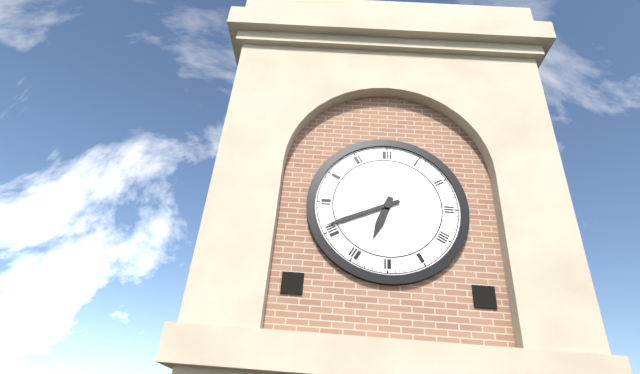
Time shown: {"hour": 6, "minute": 41}
